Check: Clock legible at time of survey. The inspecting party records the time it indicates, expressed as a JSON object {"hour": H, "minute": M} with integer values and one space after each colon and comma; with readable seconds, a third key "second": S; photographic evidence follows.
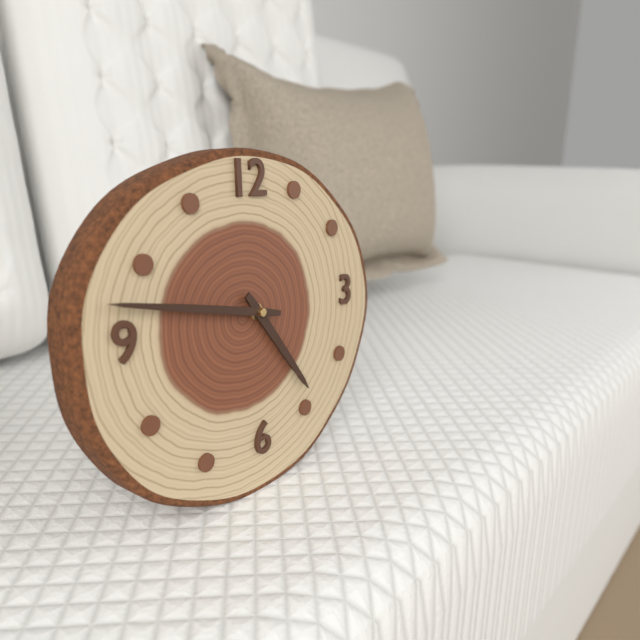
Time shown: {"hour": 4, "minute": 47}
